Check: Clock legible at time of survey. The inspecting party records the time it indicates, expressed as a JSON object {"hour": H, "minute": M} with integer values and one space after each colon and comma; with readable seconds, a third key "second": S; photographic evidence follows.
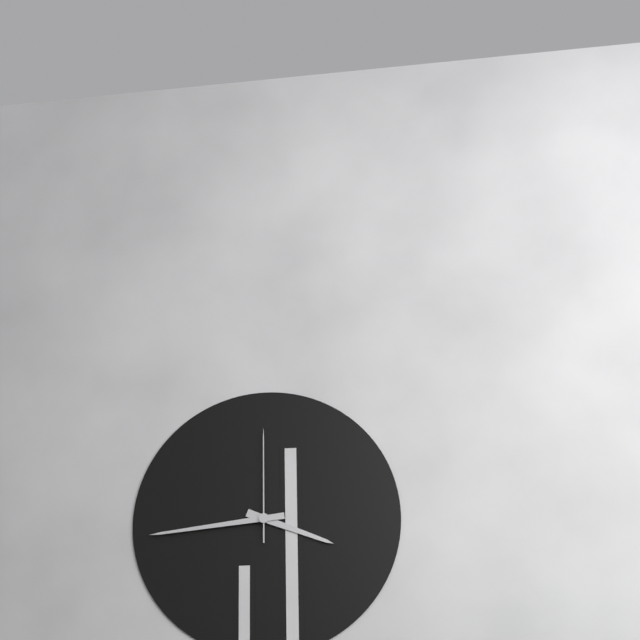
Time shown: {"hour": 3, "minute": 44, "second": 0}
